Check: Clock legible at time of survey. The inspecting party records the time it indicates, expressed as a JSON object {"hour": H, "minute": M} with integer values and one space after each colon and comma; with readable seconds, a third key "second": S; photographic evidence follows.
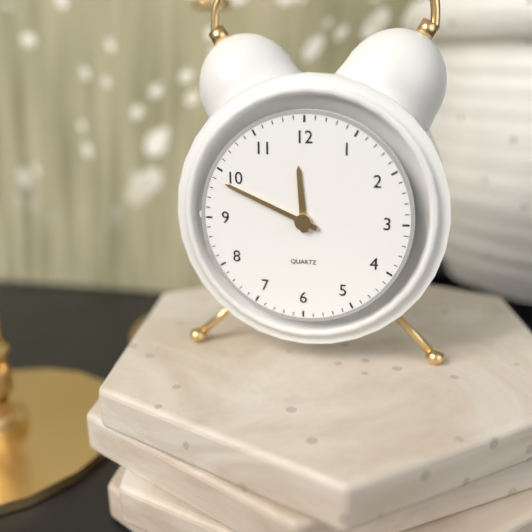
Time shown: {"hour": 11, "minute": 49}
